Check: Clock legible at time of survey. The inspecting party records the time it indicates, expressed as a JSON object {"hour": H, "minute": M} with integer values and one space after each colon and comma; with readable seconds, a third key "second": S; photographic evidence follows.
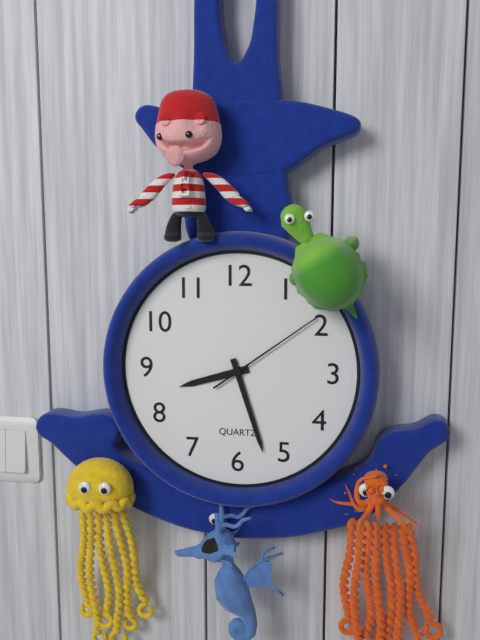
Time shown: {"hour": 8, "minute": 27, "second": 9}
